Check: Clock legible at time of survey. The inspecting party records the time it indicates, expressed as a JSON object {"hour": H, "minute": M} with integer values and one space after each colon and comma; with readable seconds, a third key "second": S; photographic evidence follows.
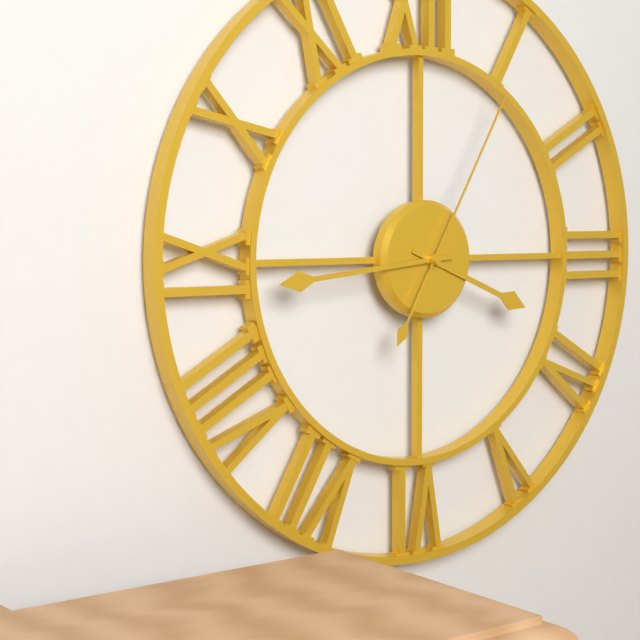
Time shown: {"hour": 3, "minute": 44, "second": 5}
